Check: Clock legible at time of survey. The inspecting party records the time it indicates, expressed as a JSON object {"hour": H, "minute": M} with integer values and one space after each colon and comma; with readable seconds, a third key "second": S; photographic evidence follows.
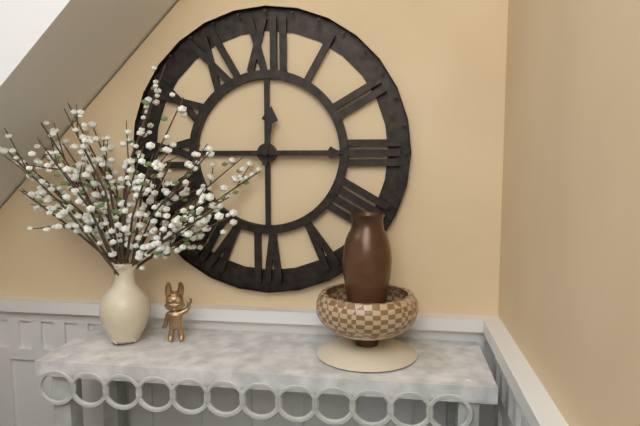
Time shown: {"hour": 12, "minute": 15}
